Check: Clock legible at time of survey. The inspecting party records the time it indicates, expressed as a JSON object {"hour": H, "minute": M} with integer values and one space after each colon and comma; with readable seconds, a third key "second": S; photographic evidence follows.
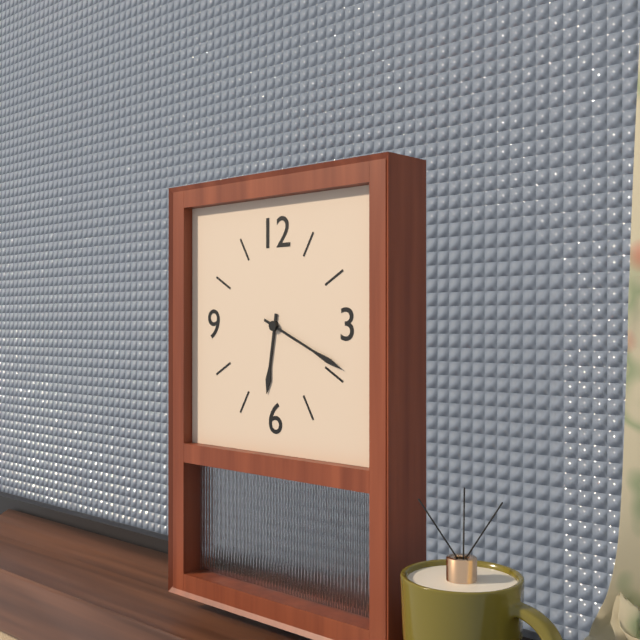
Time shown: {"hour": 6, "minute": 19}
